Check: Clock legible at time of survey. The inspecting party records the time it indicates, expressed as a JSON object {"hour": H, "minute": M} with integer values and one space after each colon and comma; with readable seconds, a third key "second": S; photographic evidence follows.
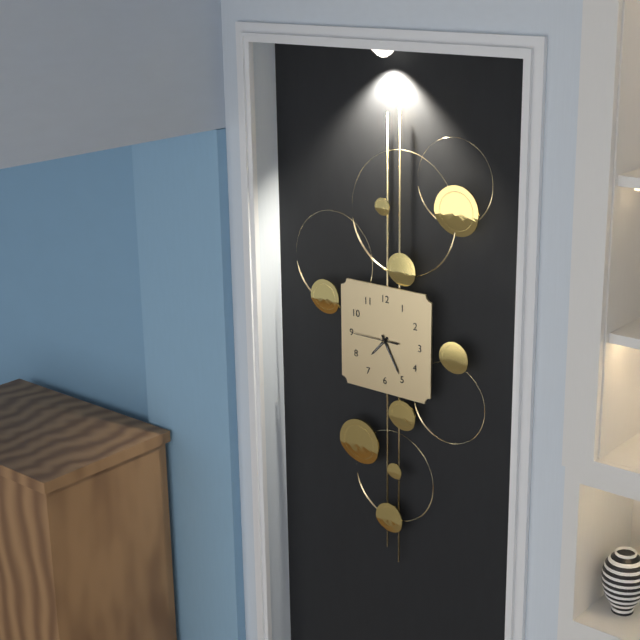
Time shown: {"hour": 7, "minute": 25}
